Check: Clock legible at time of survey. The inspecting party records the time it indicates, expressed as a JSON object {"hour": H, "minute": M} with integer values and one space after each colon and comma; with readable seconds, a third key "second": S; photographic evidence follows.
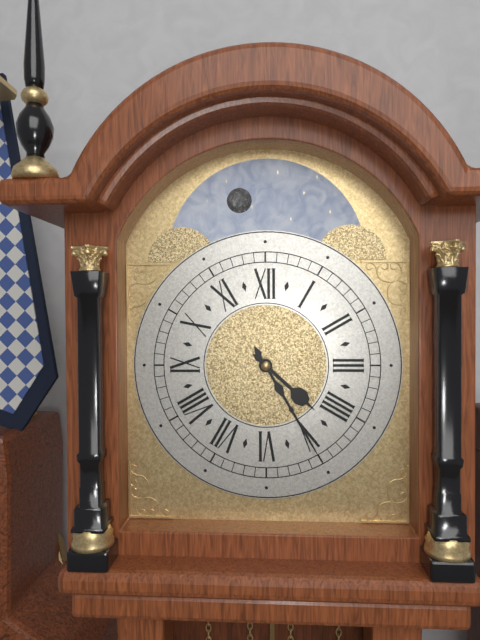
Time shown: {"hour": 4, "minute": 25}
